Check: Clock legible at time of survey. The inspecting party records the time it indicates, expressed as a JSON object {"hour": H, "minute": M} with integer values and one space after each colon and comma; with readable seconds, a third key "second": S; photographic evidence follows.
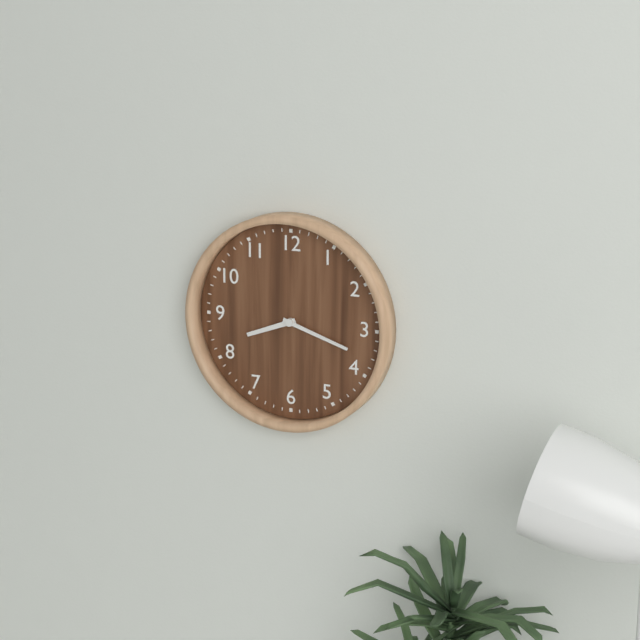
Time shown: {"hour": 8, "minute": 18}
